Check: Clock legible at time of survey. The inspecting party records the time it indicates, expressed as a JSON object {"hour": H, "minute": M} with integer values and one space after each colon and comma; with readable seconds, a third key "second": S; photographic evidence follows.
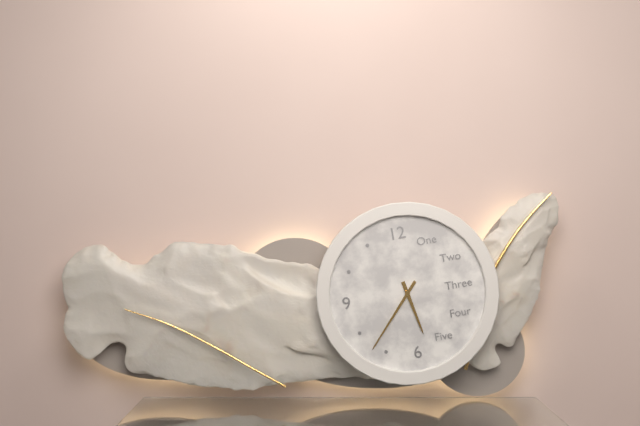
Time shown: {"hour": 5, "minute": 37}
